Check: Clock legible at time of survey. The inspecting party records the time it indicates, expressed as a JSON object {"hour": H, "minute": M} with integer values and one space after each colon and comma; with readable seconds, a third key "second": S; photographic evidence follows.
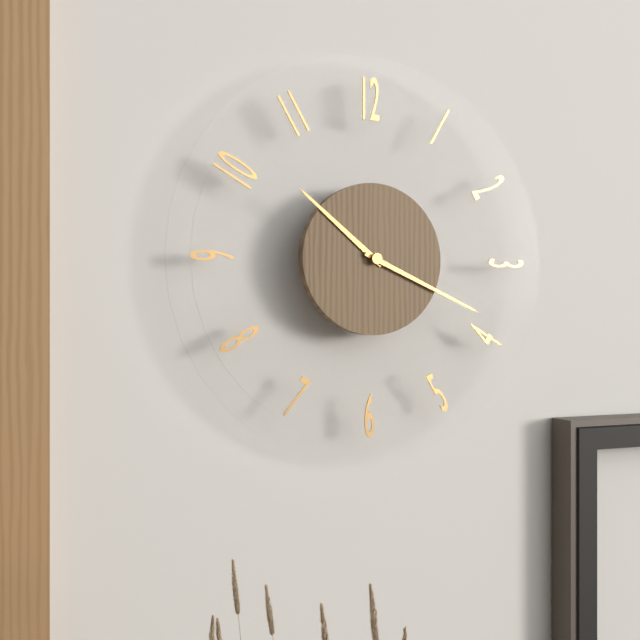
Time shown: {"hour": 10, "minute": 19}
